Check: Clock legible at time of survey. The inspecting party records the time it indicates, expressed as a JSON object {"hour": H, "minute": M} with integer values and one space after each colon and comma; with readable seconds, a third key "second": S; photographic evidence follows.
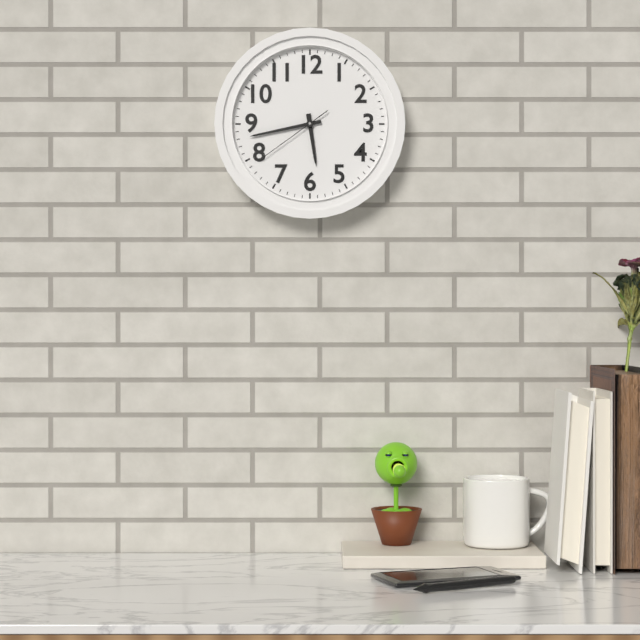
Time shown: {"hour": 5, "minute": 43, "second": 39}
